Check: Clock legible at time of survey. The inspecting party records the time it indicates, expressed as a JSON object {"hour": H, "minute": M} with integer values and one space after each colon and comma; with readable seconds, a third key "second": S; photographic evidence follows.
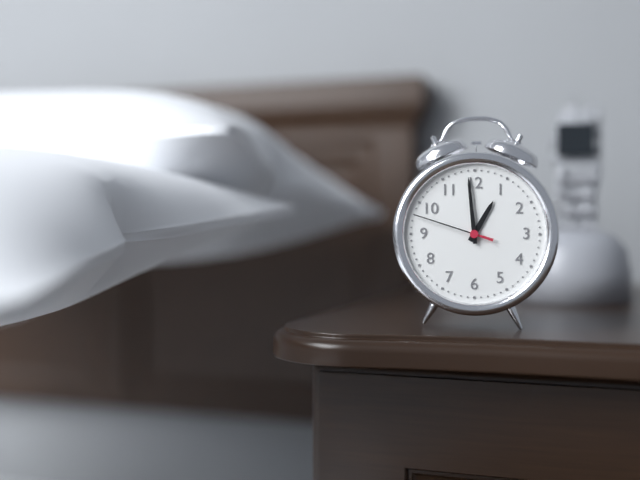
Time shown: {"hour": 12, "minute": 59, "second": 48}
